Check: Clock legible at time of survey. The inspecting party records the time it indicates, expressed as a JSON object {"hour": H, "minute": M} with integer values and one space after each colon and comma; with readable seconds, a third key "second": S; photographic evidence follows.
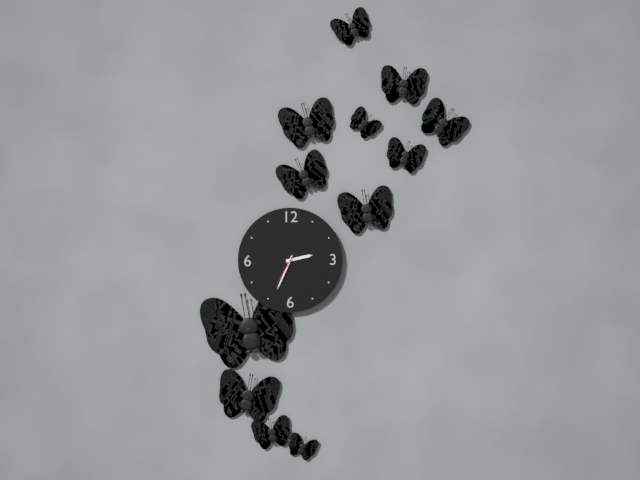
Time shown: {"hour": 2, "minute": 34}
